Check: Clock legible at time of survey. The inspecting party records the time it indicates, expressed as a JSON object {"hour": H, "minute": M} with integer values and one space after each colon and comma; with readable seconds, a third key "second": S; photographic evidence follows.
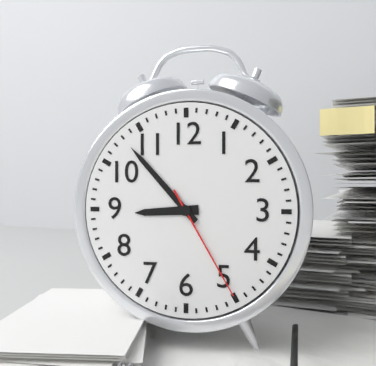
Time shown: {"hour": 8, "minute": 53, "second": 25}
